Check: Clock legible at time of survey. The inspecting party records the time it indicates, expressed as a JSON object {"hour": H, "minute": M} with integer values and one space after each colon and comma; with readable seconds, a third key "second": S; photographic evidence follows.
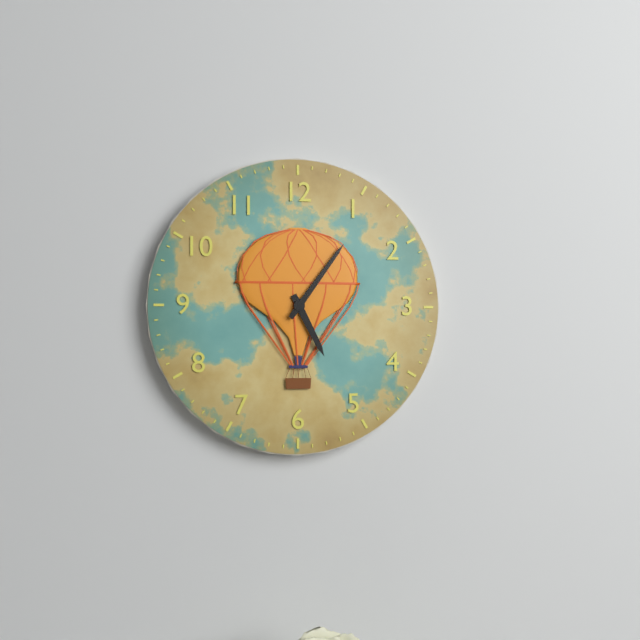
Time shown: {"hour": 5, "minute": 6}
